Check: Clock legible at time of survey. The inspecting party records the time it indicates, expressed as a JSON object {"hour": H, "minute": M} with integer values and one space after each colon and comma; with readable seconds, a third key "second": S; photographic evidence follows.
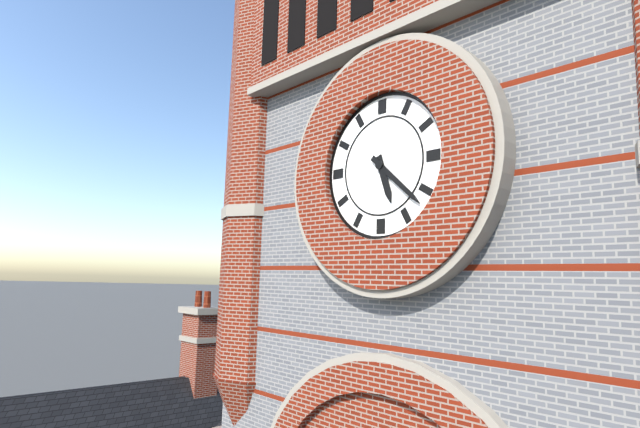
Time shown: {"hour": 5, "minute": 22}
